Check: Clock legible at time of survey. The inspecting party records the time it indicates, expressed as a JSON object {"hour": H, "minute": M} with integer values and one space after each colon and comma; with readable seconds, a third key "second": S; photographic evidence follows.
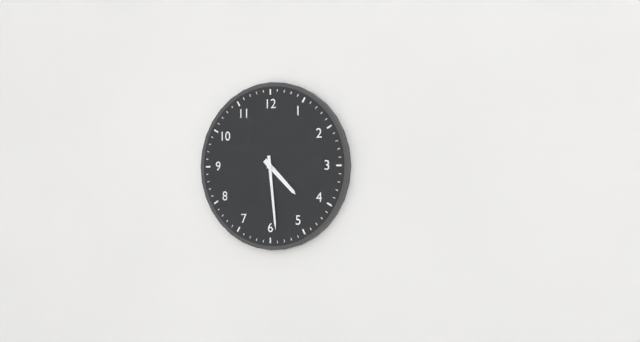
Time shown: {"hour": 4, "minute": 29}
